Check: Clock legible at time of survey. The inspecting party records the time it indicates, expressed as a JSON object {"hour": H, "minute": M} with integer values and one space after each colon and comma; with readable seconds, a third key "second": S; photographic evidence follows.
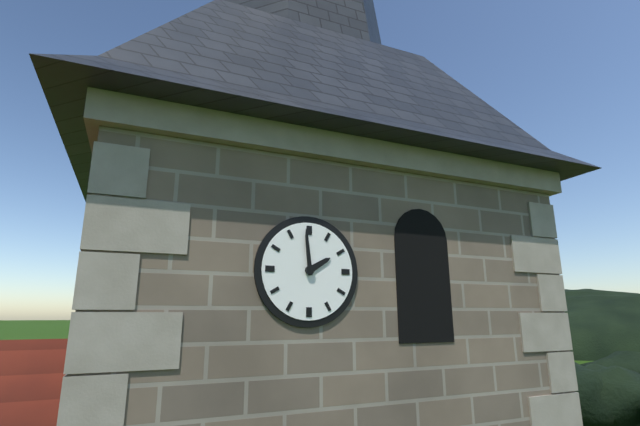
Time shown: {"hour": 1, "minute": 59}
